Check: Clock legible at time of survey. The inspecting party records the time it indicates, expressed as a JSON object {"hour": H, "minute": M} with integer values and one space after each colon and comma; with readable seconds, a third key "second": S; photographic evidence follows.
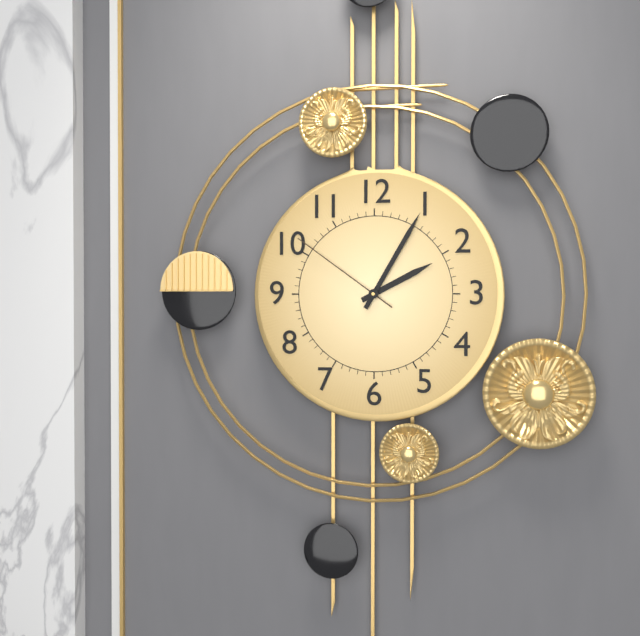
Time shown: {"hour": 2, "minute": 5, "second": 51}
